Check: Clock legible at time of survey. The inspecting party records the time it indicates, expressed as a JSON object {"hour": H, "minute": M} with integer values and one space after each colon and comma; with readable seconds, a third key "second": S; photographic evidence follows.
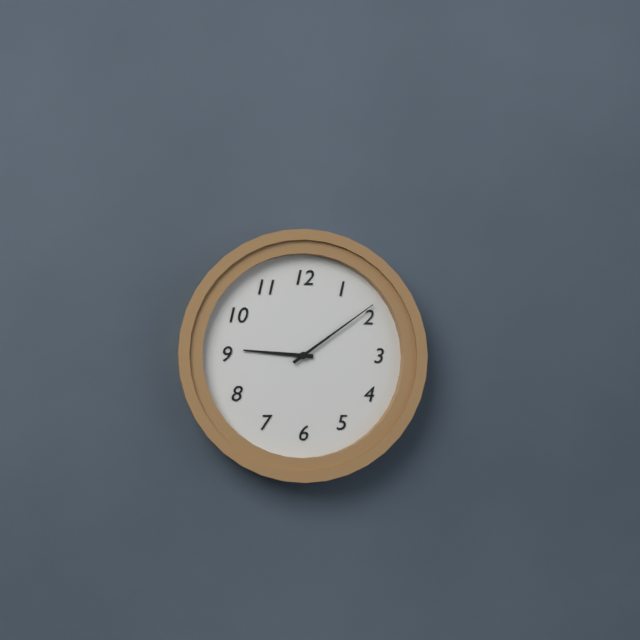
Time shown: {"hour": 9, "minute": 9}
